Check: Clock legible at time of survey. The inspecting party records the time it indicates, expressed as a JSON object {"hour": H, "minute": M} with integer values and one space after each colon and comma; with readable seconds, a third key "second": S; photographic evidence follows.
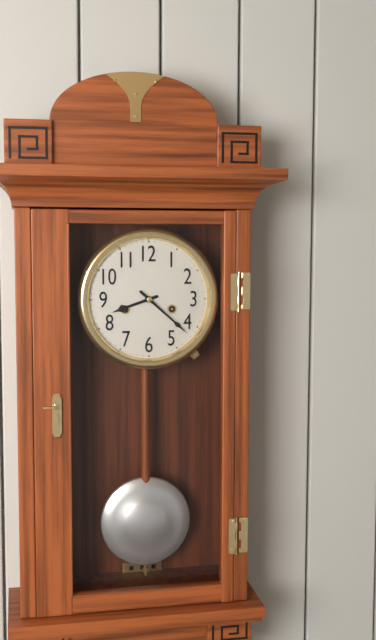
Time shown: {"hour": 8, "minute": 22}
